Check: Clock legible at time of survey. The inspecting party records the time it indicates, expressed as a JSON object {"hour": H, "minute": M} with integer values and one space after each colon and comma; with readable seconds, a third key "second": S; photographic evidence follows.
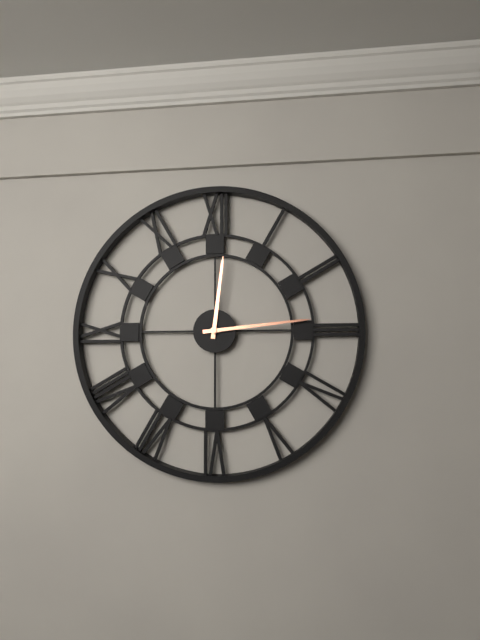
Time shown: {"hour": 12, "minute": 14}
